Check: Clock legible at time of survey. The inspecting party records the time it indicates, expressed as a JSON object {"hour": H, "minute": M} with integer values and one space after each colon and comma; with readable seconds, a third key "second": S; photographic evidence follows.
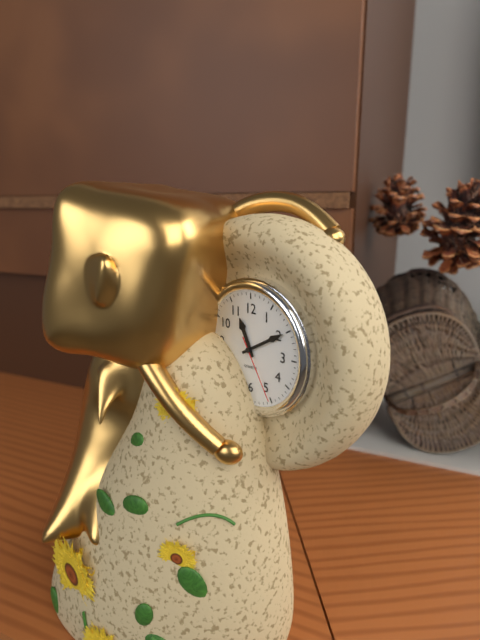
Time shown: {"hour": 11, "minute": 10, "second": 25}
